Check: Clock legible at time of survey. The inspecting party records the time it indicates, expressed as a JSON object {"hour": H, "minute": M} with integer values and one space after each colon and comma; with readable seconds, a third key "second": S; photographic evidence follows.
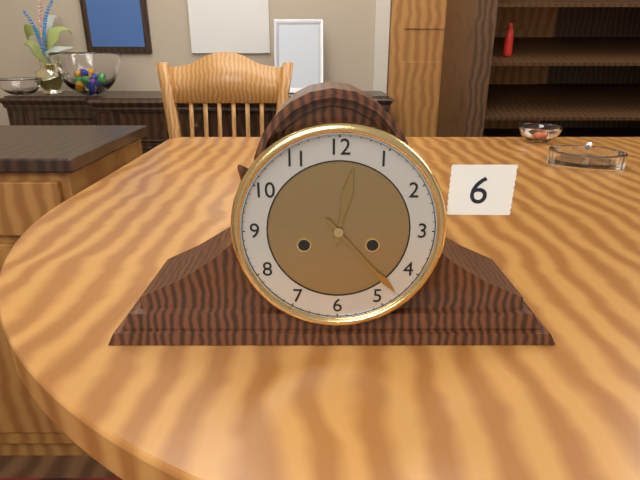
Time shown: {"hour": 12, "minute": 23}
